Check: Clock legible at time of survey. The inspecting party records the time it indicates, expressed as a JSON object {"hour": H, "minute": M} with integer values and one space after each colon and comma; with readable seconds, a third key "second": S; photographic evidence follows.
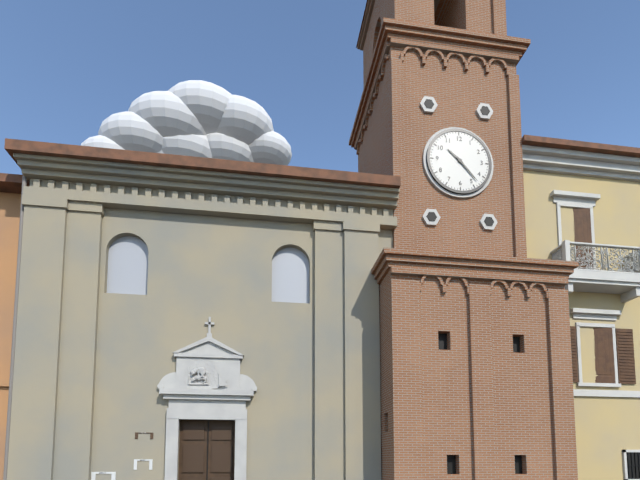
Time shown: {"hour": 10, "minute": 23}
